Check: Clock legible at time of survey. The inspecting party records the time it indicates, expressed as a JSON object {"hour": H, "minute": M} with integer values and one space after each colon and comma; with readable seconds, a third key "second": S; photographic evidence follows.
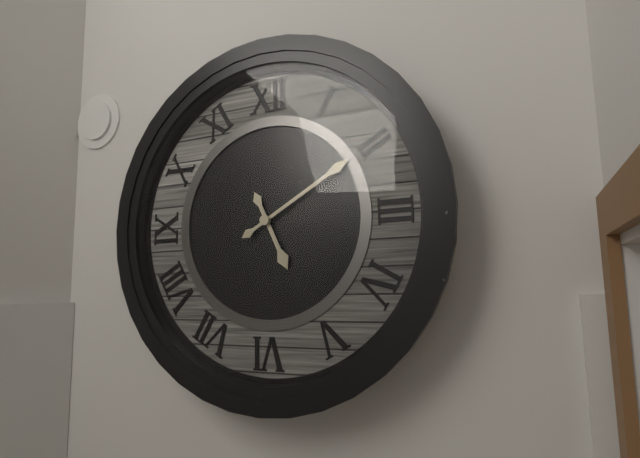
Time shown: {"hour": 5, "minute": 10}
